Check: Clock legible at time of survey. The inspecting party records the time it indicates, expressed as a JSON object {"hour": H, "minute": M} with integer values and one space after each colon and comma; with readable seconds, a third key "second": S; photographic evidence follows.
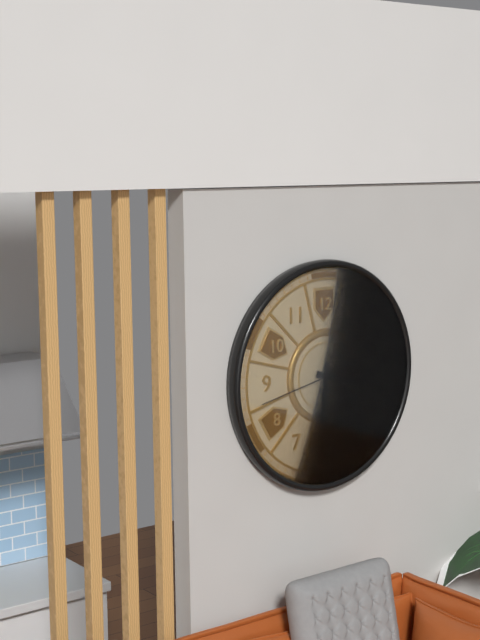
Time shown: {"hour": 3, "minute": 31, "second": 43}
